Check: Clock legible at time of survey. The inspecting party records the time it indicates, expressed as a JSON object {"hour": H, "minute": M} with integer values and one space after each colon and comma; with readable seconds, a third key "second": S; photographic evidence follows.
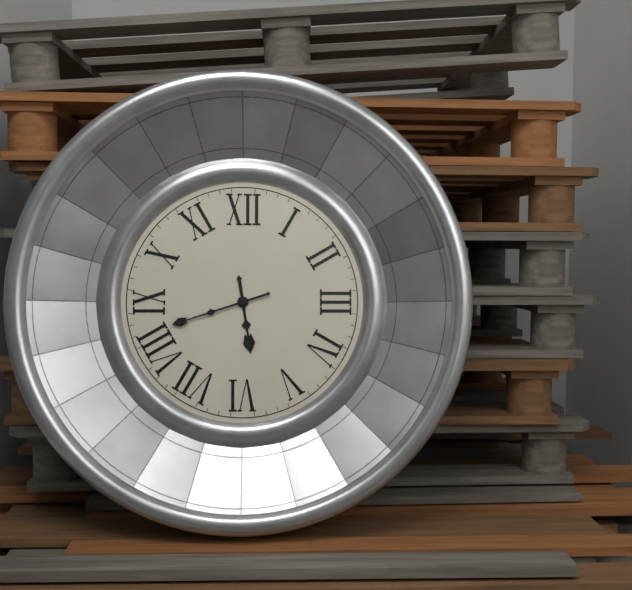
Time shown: {"hour": 5, "minute": 42}
